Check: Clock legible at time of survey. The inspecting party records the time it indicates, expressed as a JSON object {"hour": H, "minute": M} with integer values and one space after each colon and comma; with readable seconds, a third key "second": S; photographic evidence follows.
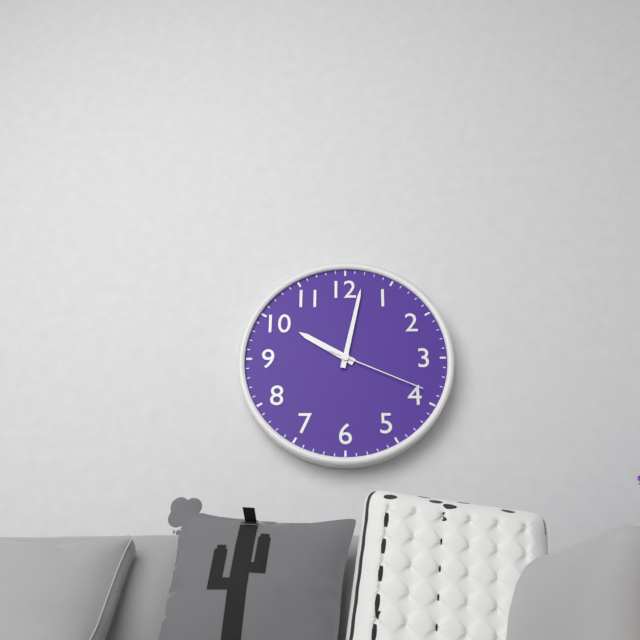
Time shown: {"hour": 10, "minute": 2, "second": 19}
